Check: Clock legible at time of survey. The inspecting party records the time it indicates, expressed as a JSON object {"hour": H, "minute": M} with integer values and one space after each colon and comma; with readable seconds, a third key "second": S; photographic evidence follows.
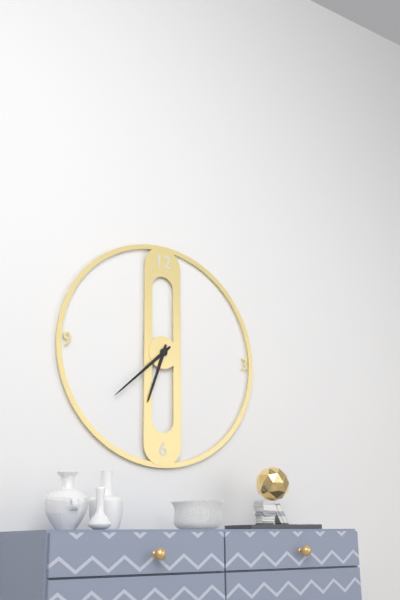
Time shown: {"hour": 6, "minute": 38}
